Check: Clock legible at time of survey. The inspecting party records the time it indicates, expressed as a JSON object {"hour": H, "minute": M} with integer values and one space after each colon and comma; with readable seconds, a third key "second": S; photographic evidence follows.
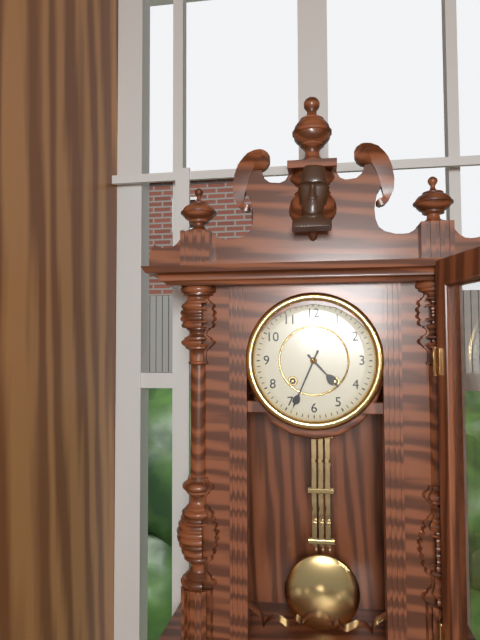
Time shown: {"hour": 4, "minute": 34}
